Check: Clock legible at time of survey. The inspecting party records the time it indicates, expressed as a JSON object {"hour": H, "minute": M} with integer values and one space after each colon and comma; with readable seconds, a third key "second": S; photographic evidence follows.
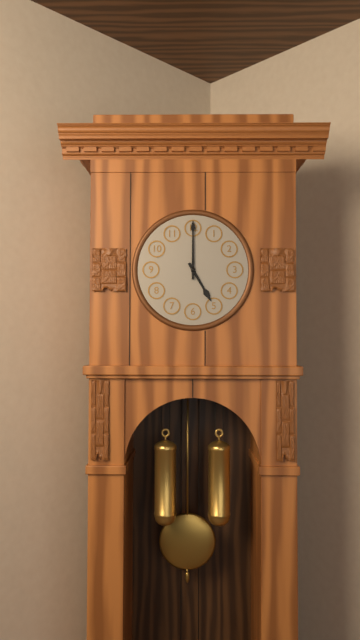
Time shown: {"hour": 5, "minute": 0}
